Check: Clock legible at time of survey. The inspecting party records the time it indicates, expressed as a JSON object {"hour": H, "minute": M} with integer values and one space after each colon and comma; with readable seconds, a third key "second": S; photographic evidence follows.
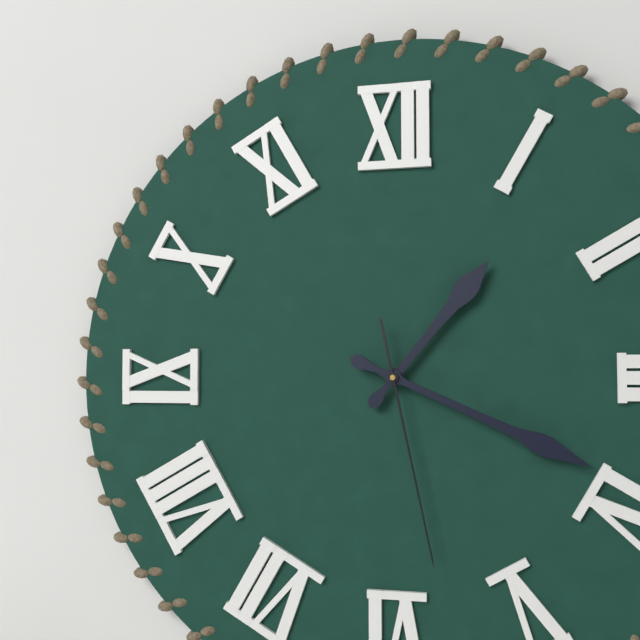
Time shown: {"hour": 1, "minute": 19, "second": 28}
